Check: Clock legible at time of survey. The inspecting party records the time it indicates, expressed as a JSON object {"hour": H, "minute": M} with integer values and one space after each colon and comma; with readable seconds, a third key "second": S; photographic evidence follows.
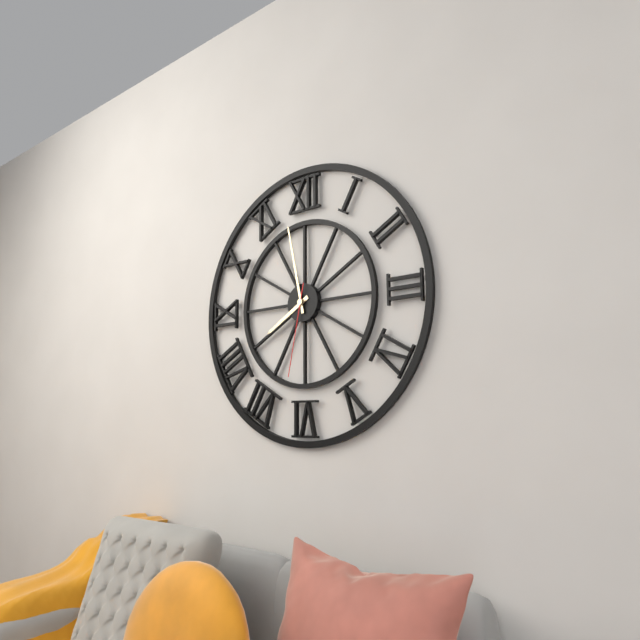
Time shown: {"hour": 7, "minute": 58, "second": 32}
